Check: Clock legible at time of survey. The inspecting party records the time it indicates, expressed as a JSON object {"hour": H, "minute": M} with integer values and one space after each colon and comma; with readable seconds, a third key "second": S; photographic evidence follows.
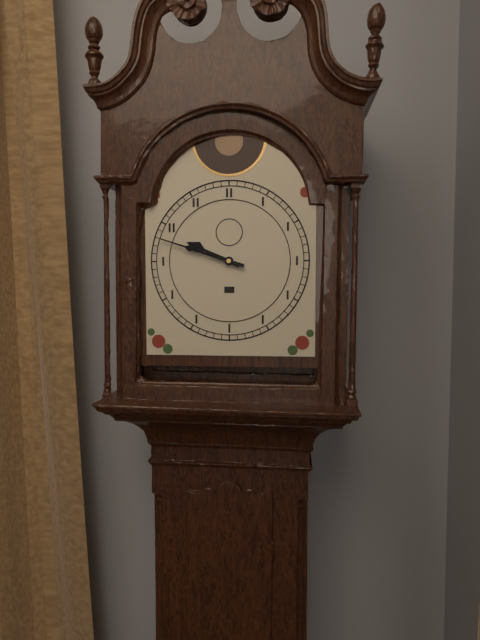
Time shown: {"hour": 9, "minute": 48}
